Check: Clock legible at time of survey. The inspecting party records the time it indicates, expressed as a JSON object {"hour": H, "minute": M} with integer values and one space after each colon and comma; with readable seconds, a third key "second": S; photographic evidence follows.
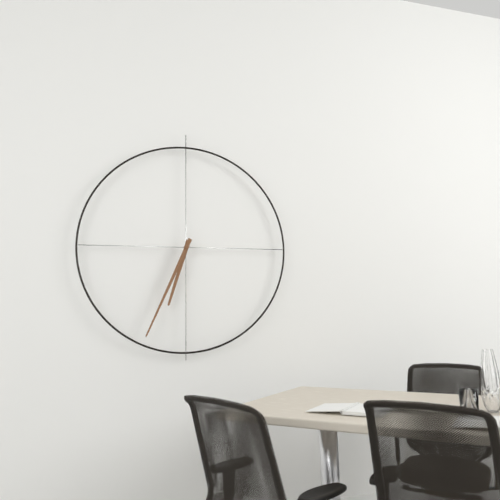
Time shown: {"hour": 6, "minute": 34}
